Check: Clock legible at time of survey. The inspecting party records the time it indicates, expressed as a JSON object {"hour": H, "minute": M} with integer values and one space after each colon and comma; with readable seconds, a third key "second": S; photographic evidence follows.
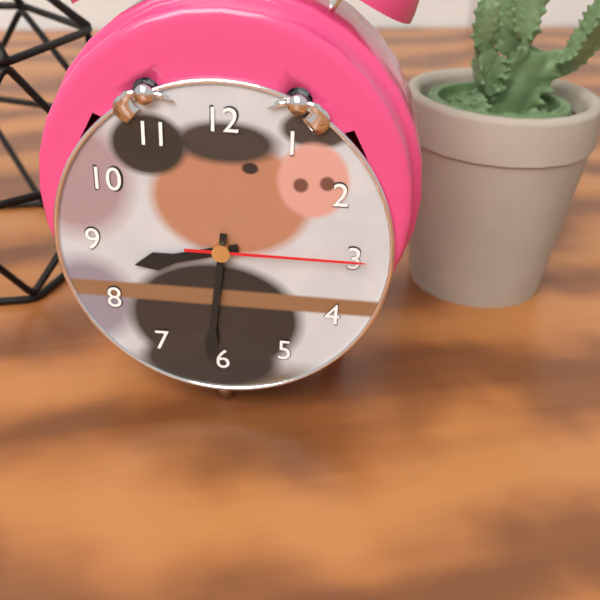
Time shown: {"hour": 8, "minute": 31, "second": 15}
